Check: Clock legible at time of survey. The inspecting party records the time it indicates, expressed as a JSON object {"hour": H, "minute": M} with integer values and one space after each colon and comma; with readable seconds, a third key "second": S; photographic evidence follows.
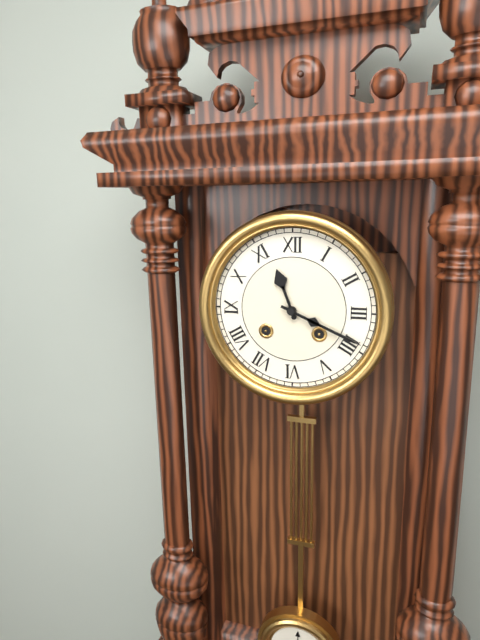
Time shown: {"hour": 11, "minute": 19}
